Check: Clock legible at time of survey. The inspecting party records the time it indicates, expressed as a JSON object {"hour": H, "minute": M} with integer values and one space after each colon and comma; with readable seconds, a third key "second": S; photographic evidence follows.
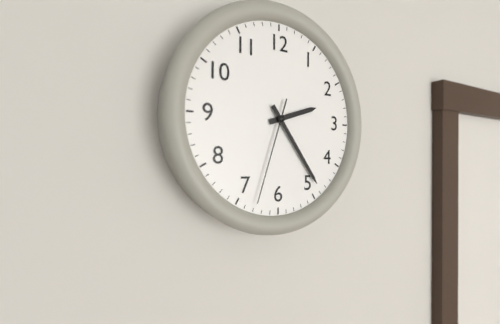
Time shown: {"hour": 2, "minute": 24, "second": 33}
